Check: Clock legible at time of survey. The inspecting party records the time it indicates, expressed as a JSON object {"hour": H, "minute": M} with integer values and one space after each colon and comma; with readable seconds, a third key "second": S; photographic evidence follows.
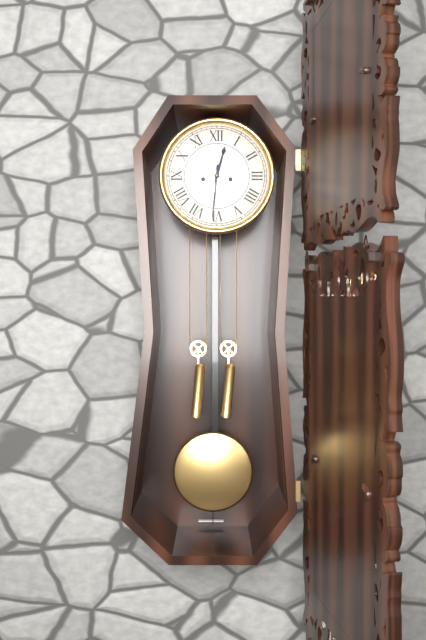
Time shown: {"hour": 12, "minute": 31}
